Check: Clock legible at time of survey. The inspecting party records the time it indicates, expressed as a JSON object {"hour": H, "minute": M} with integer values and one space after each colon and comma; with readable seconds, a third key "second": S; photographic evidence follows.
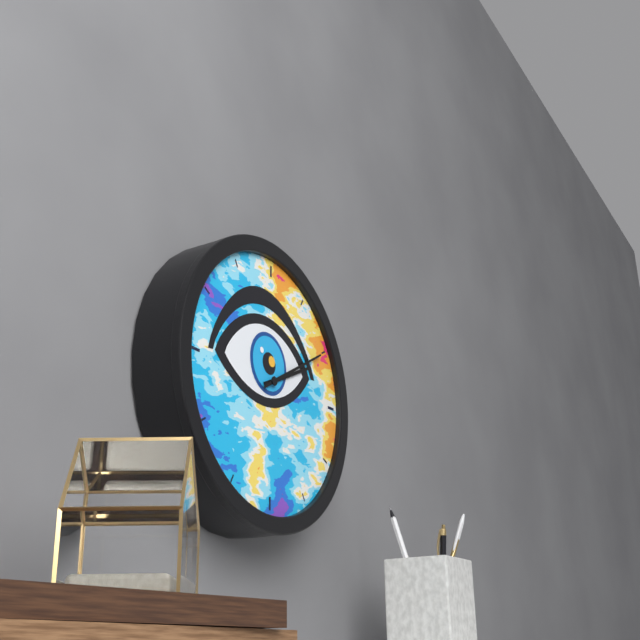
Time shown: {"hour": 2, "minute": 10}
